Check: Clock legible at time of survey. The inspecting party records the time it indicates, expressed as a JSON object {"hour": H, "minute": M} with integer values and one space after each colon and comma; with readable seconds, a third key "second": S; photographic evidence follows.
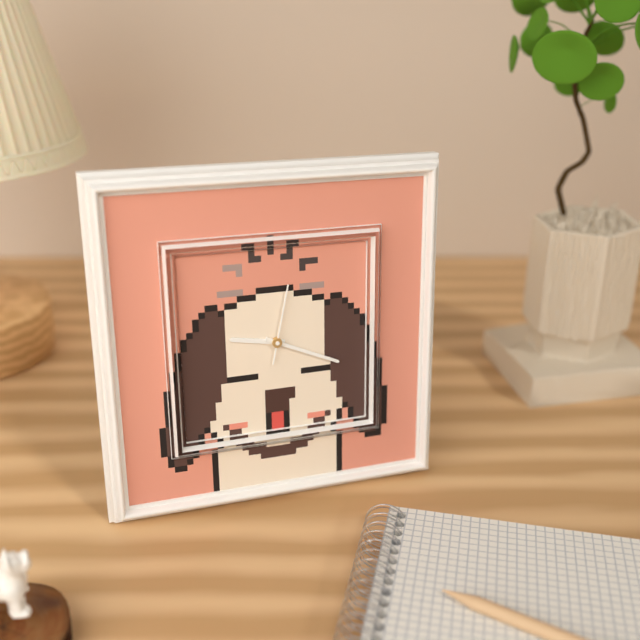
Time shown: {"hour": 9, "minute": 19, "second": 2}
